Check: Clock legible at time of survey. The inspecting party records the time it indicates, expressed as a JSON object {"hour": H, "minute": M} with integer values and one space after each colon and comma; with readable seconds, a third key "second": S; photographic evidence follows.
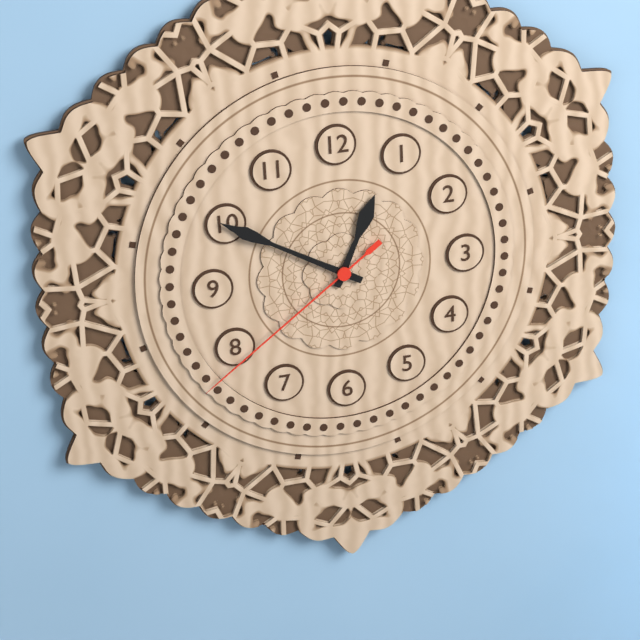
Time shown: {"hour": 12, "minute": 50, "second": 39}
